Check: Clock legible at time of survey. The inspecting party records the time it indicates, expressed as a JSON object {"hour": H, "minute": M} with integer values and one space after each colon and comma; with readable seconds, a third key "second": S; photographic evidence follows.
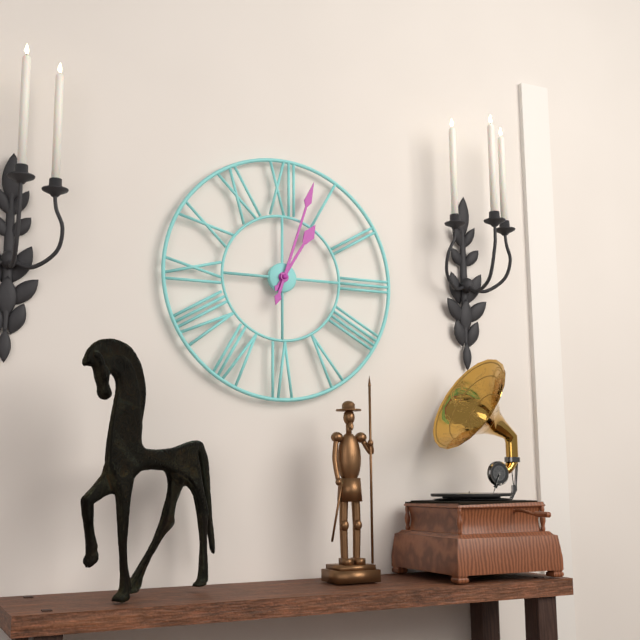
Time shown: {"hour": 1, "minute": 3}
